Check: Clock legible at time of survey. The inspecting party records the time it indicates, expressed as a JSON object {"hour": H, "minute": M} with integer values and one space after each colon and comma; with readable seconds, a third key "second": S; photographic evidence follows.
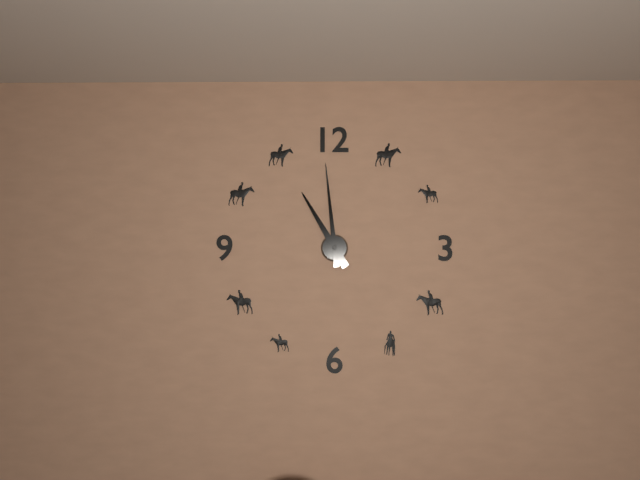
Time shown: {"hour": 10, "minute": 59}
